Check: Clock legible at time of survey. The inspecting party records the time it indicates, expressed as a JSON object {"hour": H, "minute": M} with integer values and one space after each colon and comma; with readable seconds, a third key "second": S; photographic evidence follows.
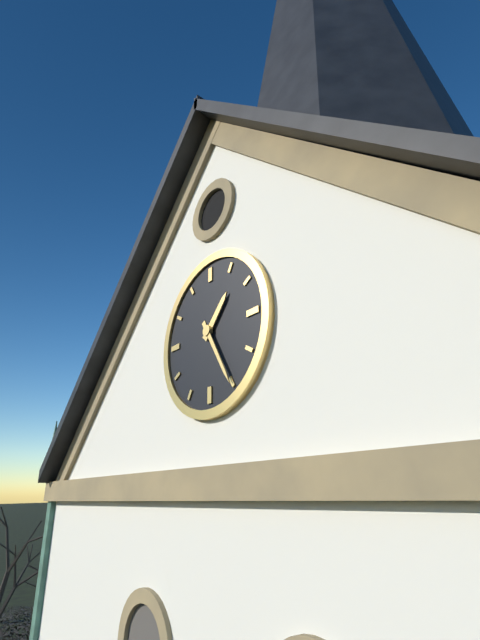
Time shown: {"hour": 1, "minute": 25}
